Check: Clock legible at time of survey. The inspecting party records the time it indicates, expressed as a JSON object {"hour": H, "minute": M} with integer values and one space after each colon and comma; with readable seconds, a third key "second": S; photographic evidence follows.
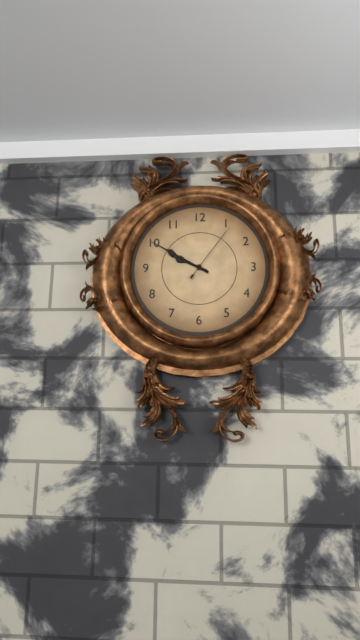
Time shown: {"hour": 9, "minute": 50, "second": 6}
